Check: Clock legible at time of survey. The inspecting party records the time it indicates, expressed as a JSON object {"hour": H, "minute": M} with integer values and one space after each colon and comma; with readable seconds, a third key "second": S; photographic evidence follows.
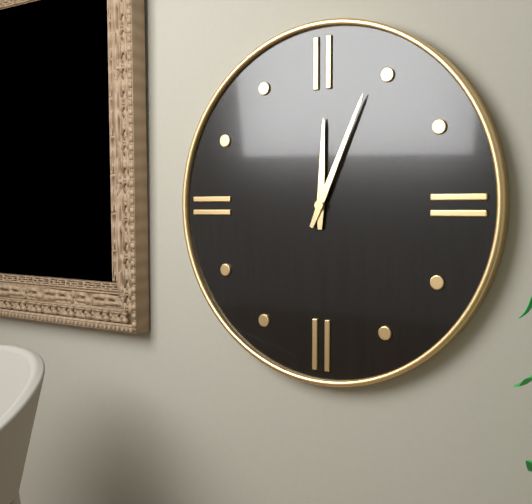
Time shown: {"hour": 12, "minute": 4}
